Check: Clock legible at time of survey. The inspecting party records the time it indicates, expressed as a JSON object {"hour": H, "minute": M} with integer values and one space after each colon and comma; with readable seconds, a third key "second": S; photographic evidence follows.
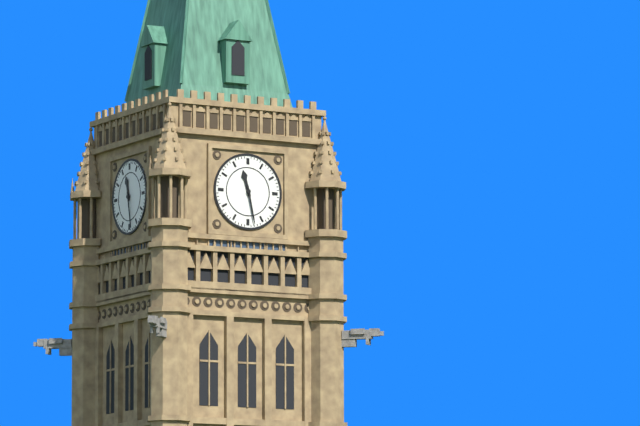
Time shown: {"hour": 11, "minute": 28}
